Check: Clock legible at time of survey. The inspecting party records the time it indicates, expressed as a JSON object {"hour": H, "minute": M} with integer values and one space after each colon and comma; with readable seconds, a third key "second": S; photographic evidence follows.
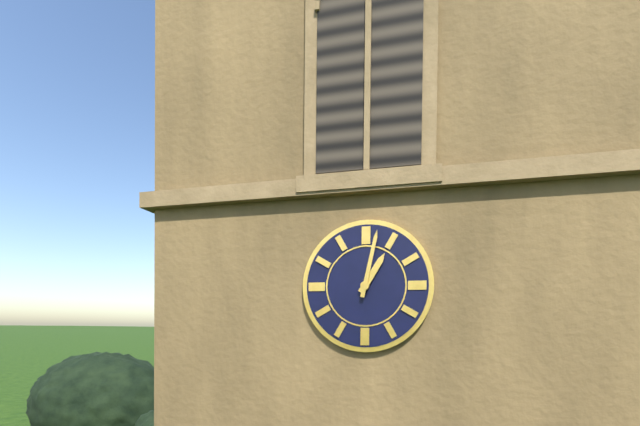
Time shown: {"hour": 1, "minute": 2}
